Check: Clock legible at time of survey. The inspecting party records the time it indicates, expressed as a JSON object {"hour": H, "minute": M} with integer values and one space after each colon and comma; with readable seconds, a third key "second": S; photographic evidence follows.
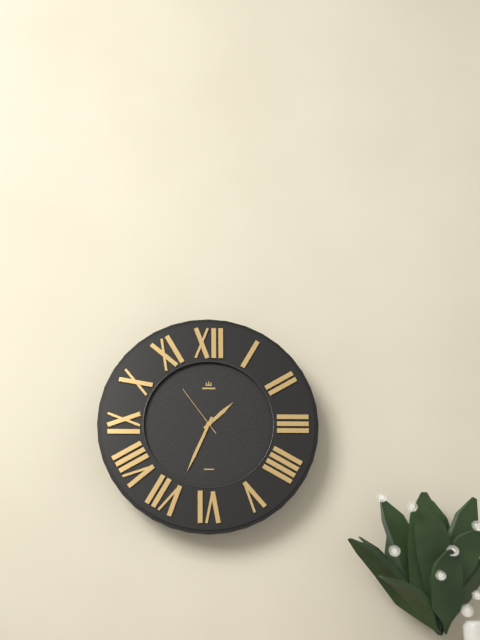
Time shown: {"hour": 1, "minute": 34, "second": 54}
